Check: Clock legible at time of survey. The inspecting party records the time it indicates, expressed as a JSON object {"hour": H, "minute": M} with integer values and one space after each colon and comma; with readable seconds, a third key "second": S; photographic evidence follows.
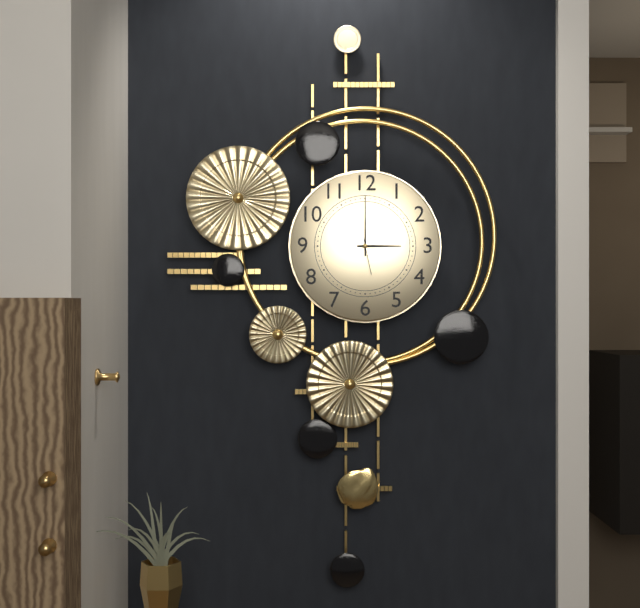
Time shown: {"hour": 3, "minute": 0}
